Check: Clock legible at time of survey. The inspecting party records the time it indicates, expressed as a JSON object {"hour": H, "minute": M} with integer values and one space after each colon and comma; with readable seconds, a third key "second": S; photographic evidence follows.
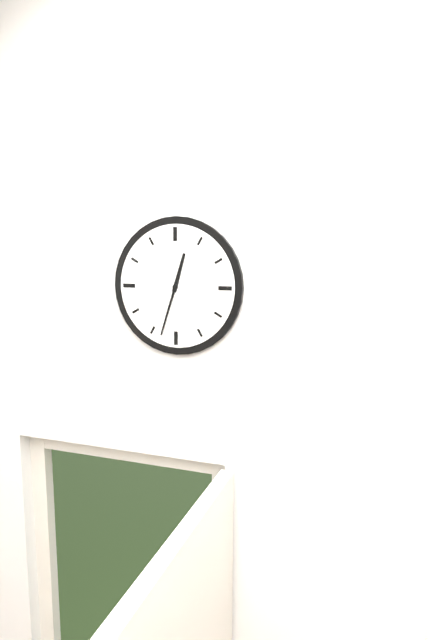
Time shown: {"hour": 12, "minute": 33}
